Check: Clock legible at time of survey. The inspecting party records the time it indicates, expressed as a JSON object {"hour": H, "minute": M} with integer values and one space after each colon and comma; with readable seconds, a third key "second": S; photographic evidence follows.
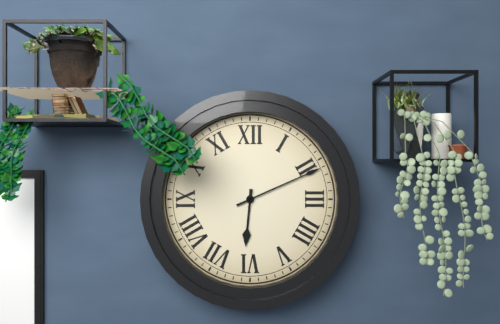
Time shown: {"hour": 6, "minute": 11}
